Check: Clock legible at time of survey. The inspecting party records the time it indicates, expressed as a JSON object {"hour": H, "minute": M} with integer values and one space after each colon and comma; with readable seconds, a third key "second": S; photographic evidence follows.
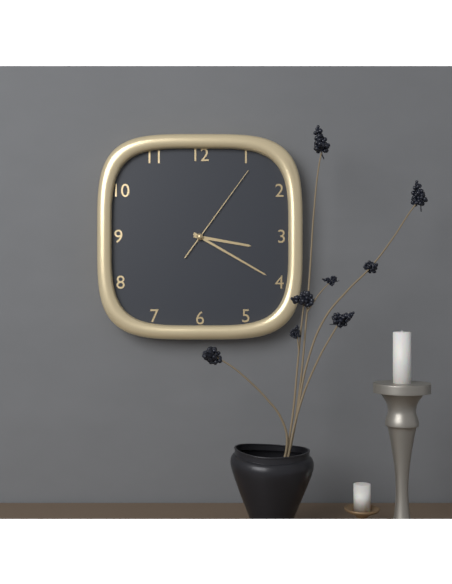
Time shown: {"hour": 3, "minute": 20, "second": 6}
